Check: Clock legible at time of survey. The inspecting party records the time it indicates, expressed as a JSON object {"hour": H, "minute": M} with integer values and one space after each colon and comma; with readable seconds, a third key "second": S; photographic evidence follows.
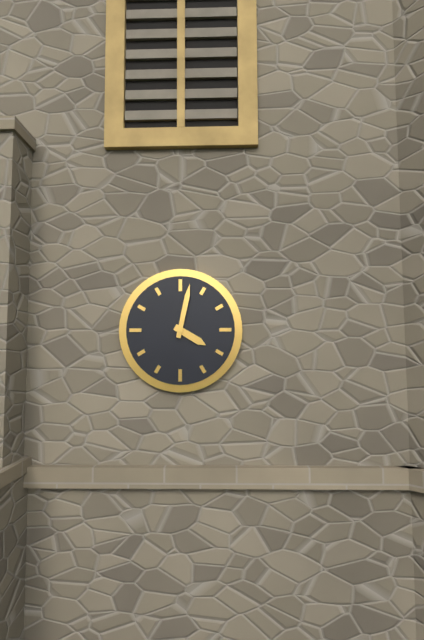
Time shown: {"hour": 4, "minute": 2}
